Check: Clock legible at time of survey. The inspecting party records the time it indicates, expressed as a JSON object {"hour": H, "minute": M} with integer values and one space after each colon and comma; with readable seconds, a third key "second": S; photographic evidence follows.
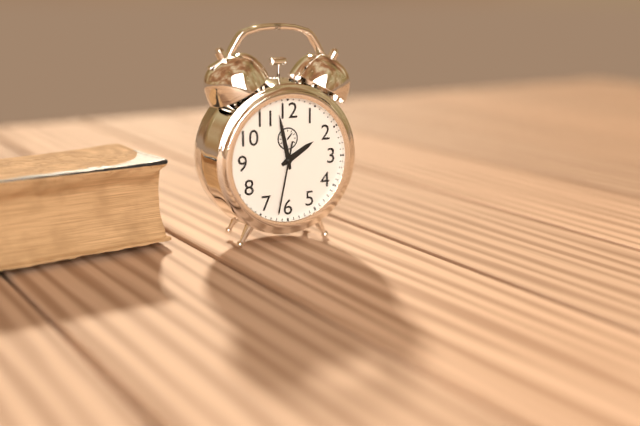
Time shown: {"hour": 1, "minute": 58, "second": 32}
